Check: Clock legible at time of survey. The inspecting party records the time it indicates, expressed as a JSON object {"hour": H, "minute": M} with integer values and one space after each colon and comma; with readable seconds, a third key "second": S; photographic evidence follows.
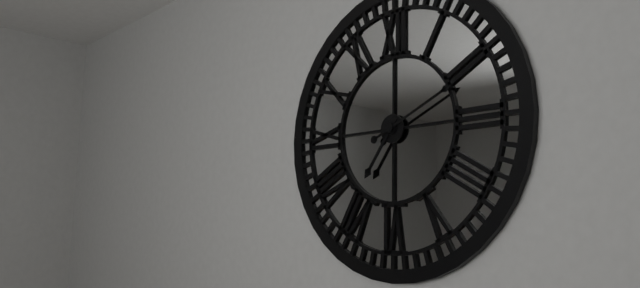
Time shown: {"hour": 7, "minute": 11}
